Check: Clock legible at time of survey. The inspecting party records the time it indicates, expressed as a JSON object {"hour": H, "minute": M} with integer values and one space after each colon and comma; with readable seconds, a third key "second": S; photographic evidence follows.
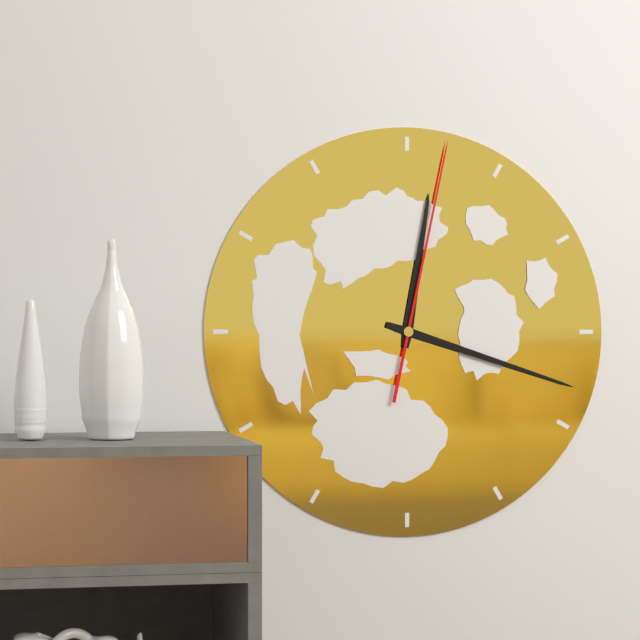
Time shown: {"hour": 12, "minute": 18, "second": 2}
